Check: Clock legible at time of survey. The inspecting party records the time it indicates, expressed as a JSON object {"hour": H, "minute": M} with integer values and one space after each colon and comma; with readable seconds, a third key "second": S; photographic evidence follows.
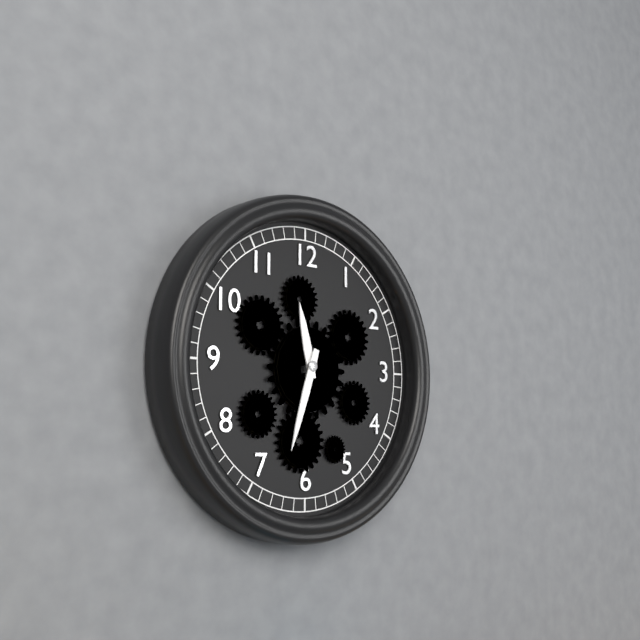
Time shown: {"hour": 11, "minute": 33}
